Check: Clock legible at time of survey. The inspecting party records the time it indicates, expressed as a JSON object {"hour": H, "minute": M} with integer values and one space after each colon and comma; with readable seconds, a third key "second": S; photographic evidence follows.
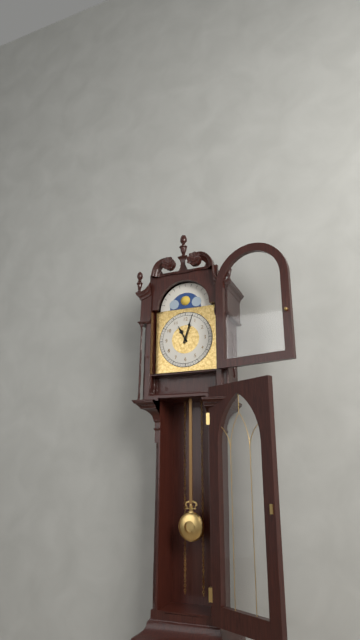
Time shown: {"hour": 11, "minute": 3}
